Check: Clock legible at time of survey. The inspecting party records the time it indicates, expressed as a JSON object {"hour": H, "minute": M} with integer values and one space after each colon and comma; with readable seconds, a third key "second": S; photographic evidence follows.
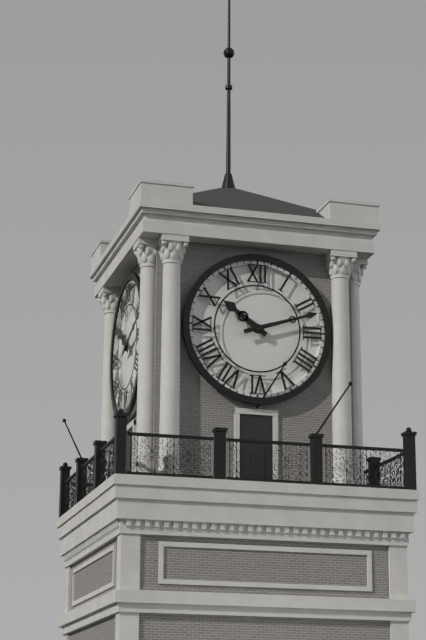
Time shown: {"hour": 10, "minute": 12}
